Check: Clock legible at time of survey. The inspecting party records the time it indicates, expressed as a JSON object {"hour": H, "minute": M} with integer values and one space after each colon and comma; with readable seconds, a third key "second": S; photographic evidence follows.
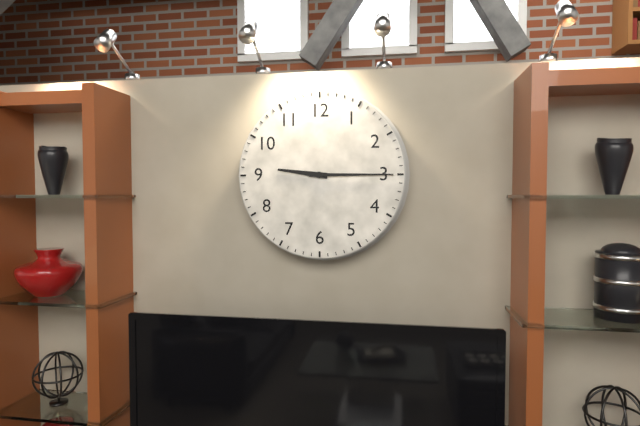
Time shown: {"hour": 9, "minute": 15}
